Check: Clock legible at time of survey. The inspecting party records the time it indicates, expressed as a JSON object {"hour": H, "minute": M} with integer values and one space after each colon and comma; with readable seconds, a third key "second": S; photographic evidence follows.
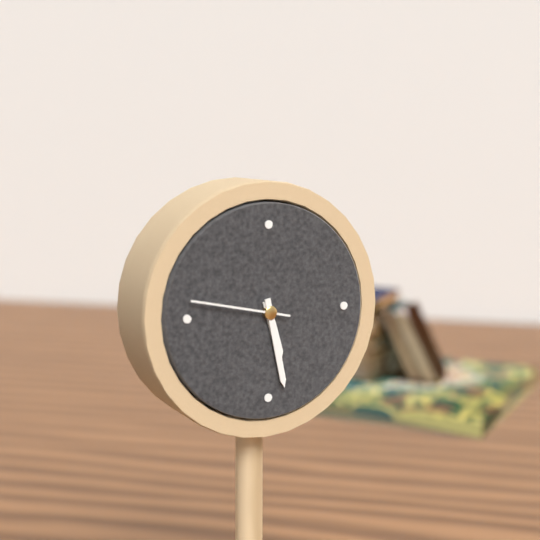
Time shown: {"hour": 5, "minute": 28, "second": 47}
